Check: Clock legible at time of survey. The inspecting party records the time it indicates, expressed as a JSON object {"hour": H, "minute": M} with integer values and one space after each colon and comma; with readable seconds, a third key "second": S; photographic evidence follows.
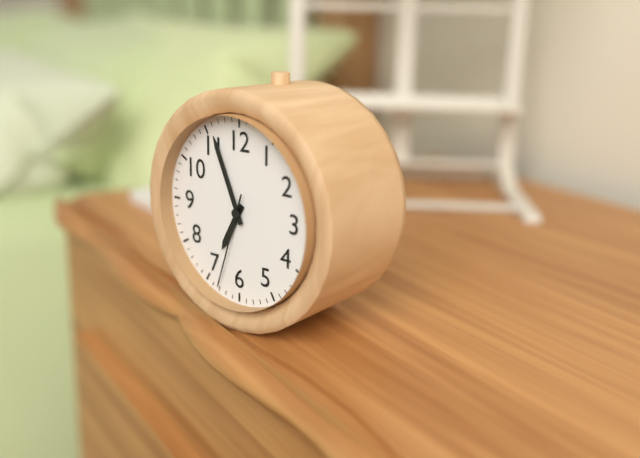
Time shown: {"hour": 6, "minute": 56, "second": 33}
